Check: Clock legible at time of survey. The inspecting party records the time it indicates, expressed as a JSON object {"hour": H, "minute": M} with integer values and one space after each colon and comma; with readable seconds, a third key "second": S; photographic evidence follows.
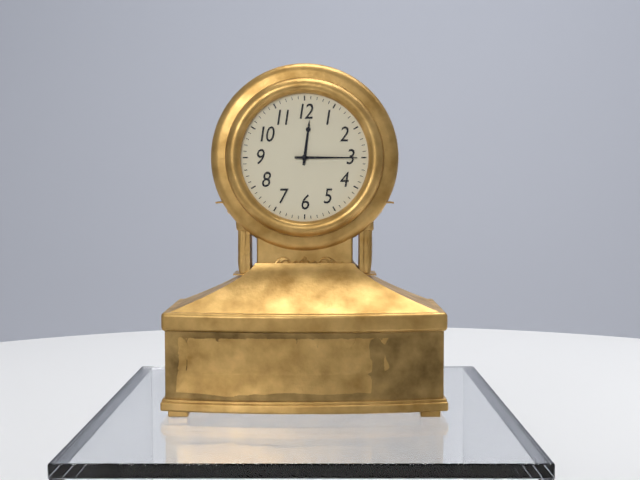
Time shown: {"hour": 12, "minute": 15}
